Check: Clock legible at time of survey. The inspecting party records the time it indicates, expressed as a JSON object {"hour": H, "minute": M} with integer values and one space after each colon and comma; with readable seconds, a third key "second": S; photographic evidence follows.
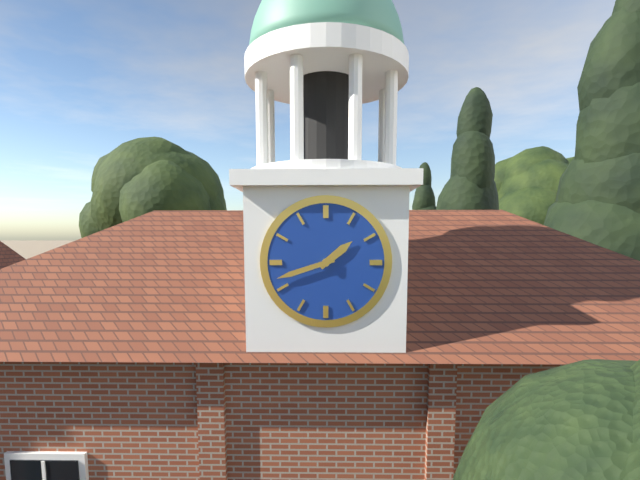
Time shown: {"hour": 1, "minute": 42}
